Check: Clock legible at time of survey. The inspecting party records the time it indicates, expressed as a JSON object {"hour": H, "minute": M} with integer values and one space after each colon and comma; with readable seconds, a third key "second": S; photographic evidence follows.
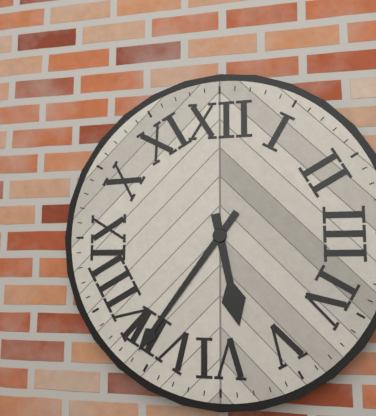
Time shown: {"hour": 5, "minute": 36}
